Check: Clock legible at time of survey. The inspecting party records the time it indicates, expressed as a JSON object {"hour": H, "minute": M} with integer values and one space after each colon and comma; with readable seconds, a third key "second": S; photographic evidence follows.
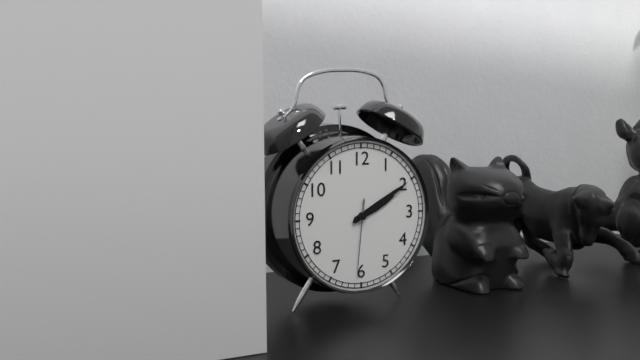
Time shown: {"hour": 2, "minute": 10, "second": 31}
